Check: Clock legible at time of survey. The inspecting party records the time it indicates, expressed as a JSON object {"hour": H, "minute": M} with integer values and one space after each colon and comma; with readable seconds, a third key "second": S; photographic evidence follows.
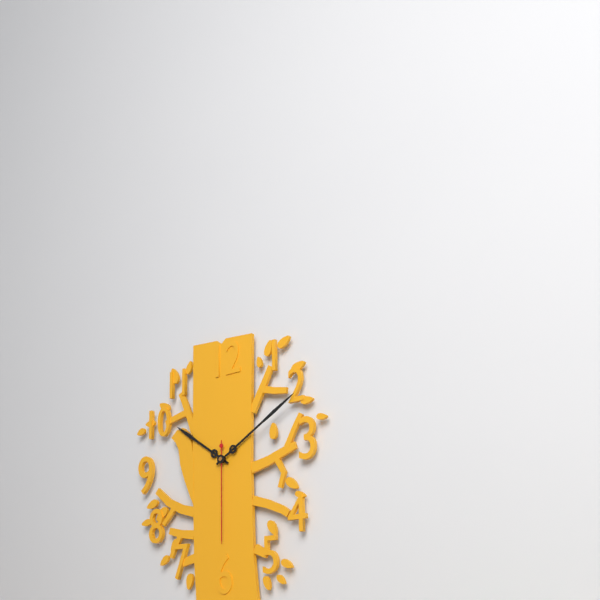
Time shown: {"hour": 10, "minute": 10, "second": 30}
